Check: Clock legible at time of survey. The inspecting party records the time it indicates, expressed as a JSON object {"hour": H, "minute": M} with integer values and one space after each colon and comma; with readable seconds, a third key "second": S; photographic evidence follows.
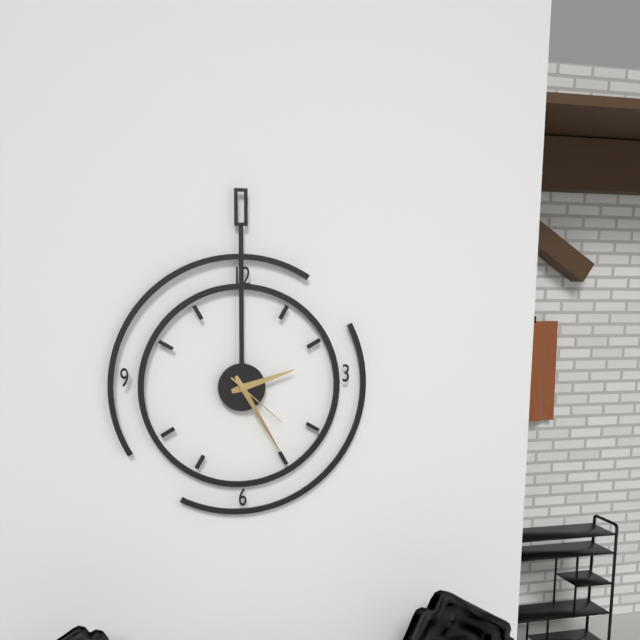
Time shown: {"hour": 2, "minute": 25, "second": 22}
